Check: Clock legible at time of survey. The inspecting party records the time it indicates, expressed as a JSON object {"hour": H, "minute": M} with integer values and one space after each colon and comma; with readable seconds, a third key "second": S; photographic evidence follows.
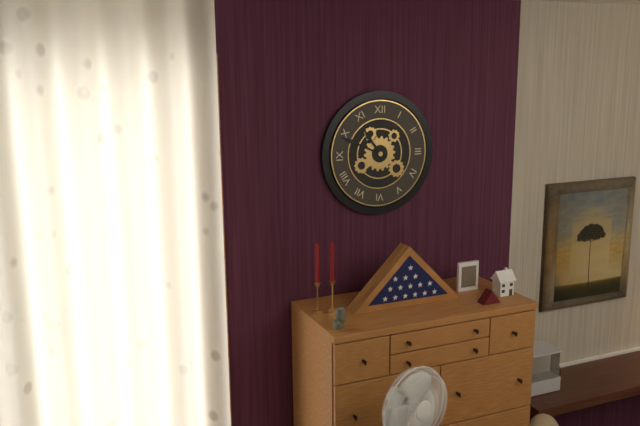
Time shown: {"hour": 10, "minute": 49}
